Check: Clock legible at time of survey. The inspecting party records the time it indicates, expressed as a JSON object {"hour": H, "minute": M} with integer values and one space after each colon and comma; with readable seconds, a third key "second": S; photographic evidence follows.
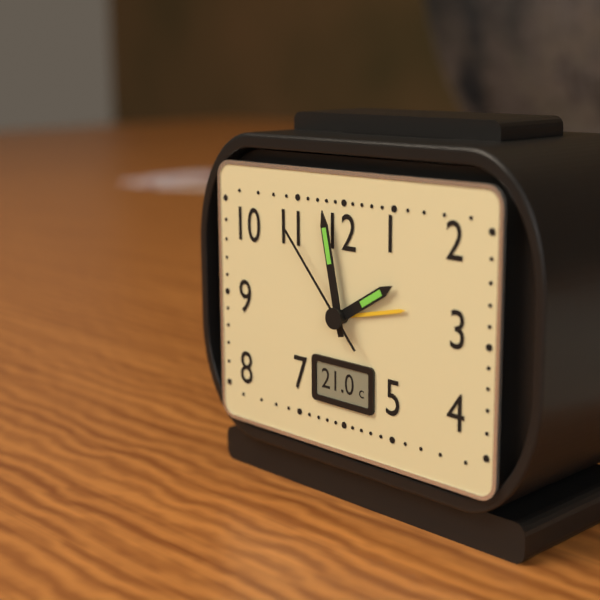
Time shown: {"hour": 1, "minute": 58, "second": 53}
